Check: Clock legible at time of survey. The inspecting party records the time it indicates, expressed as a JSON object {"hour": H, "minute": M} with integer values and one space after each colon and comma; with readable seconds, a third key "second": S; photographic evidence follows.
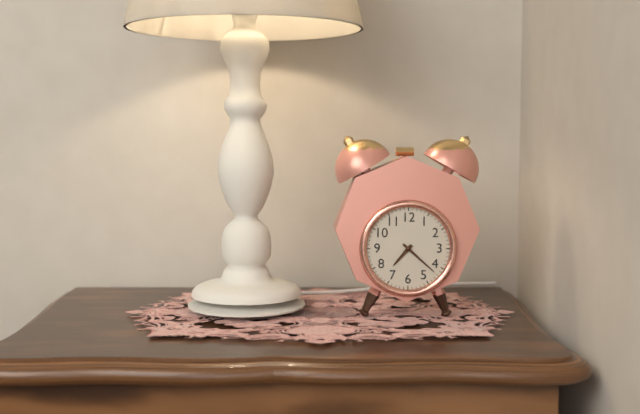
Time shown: {"hour": 7, "minute": 22}
